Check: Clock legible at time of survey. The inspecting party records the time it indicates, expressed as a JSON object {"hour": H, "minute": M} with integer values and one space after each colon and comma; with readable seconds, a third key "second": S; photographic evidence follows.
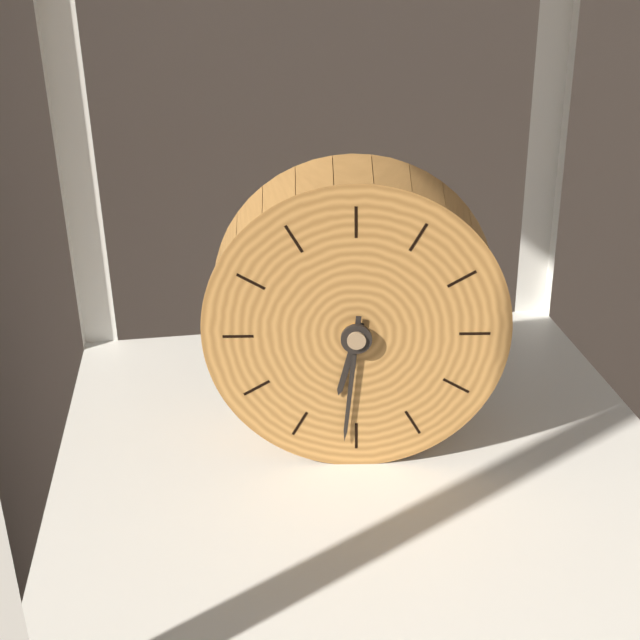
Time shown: {"hour": 6, "minute": 31}
